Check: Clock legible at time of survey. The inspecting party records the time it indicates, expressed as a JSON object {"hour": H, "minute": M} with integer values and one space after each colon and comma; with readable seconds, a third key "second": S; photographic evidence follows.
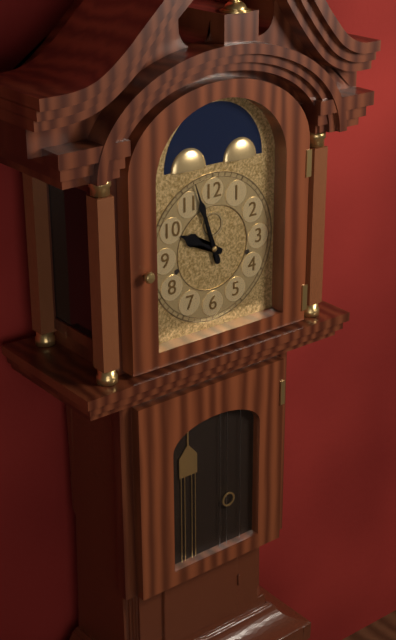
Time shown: {"hour": 9, "minute": 57}
